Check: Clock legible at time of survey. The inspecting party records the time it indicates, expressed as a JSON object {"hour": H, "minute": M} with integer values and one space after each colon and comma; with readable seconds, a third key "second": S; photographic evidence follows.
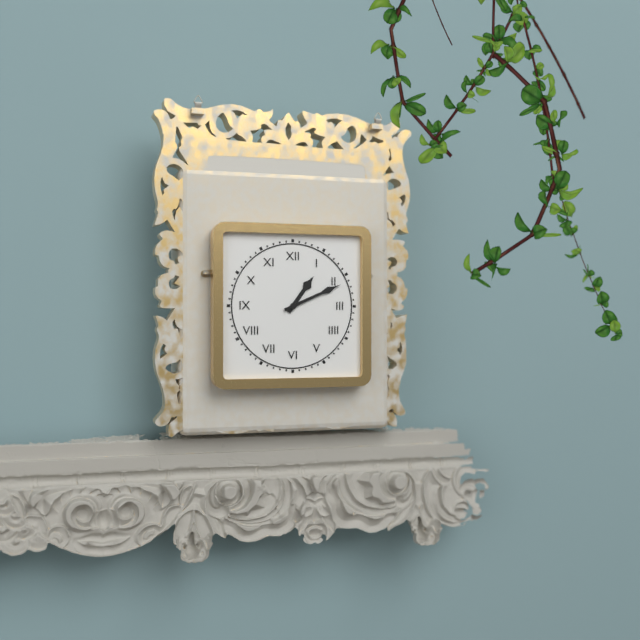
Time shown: {"hour": 1, "minute": 11}
